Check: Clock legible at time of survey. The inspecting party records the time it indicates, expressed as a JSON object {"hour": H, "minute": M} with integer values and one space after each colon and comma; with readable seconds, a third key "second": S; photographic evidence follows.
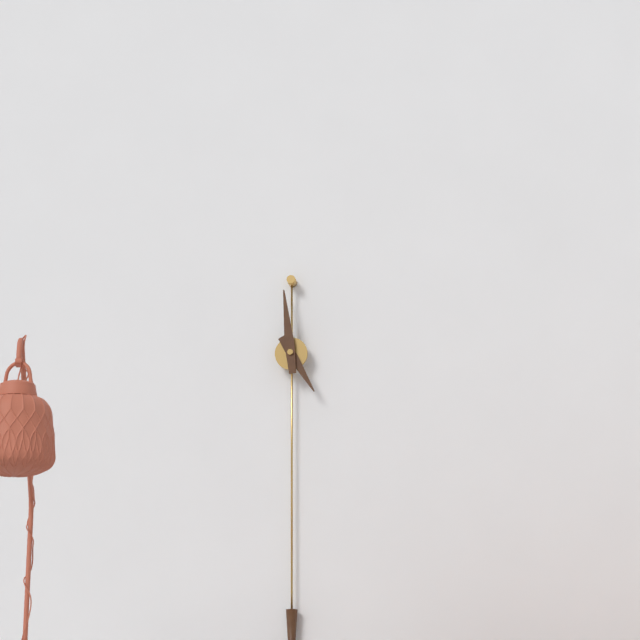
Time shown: {"hour": 4, "minute": 59}
